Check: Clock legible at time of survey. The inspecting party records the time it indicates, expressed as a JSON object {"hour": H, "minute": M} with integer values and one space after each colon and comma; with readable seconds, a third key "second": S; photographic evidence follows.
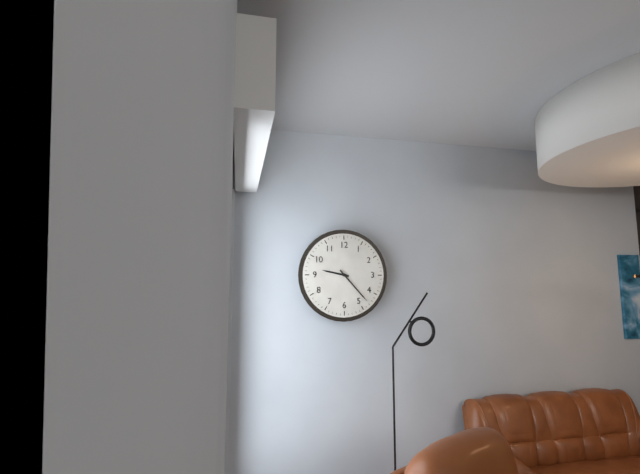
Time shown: {"hour": 9, "minute": 23}
